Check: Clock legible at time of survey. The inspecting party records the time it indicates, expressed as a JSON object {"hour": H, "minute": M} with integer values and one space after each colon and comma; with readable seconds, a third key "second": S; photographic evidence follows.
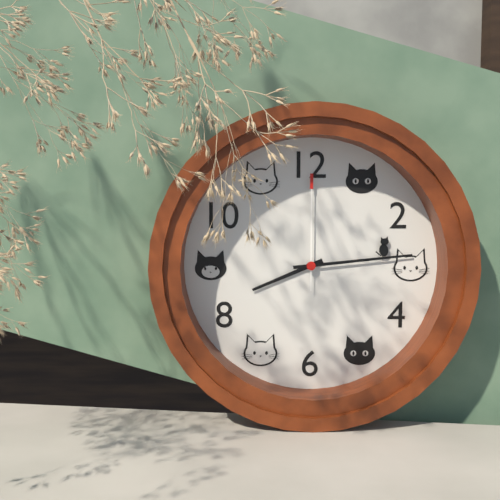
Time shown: {"hour": 8, "minute": 14, "second": 0}
